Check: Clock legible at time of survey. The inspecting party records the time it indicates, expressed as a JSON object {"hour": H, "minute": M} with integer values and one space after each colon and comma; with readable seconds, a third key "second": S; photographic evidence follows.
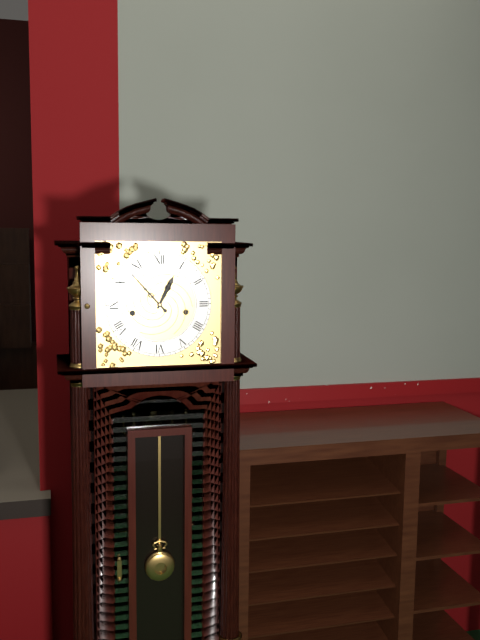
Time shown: {"hour": 12, "minute": 53}
